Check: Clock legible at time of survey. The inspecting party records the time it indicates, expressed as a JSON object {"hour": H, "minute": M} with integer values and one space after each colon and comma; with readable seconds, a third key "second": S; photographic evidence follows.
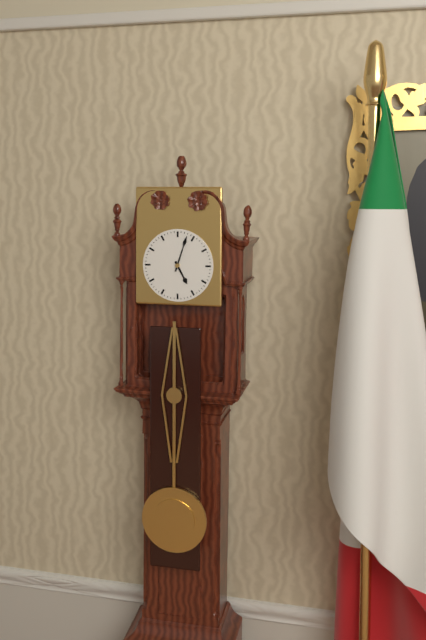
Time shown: {"hour": 5, "minute": 3}
